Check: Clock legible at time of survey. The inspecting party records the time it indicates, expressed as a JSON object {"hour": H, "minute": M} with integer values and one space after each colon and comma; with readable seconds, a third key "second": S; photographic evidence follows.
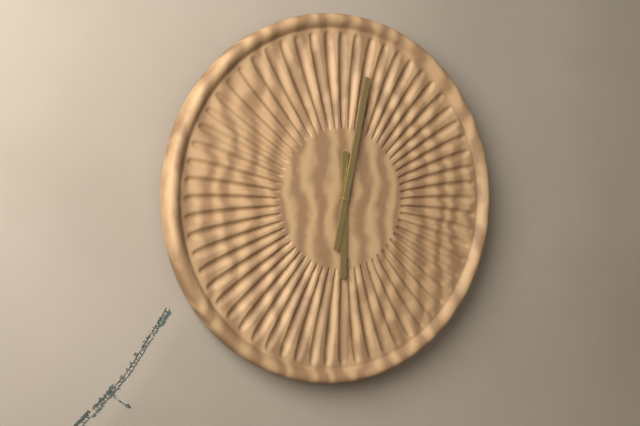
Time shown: {"hour": 6, "minute": 2}
